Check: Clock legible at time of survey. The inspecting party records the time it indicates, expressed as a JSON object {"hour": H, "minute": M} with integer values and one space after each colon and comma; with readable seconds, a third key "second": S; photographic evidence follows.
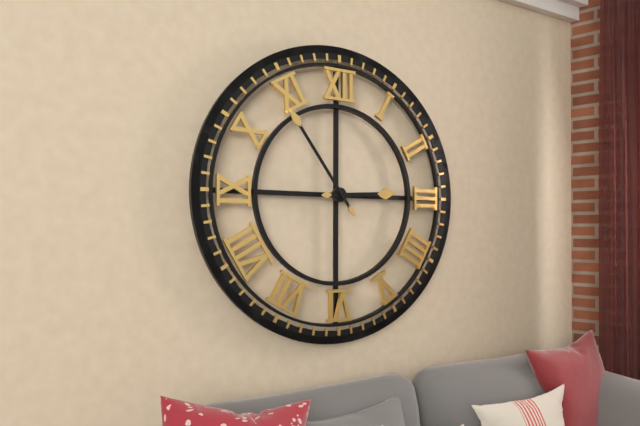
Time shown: {"hour": 2, "minute": 54}
